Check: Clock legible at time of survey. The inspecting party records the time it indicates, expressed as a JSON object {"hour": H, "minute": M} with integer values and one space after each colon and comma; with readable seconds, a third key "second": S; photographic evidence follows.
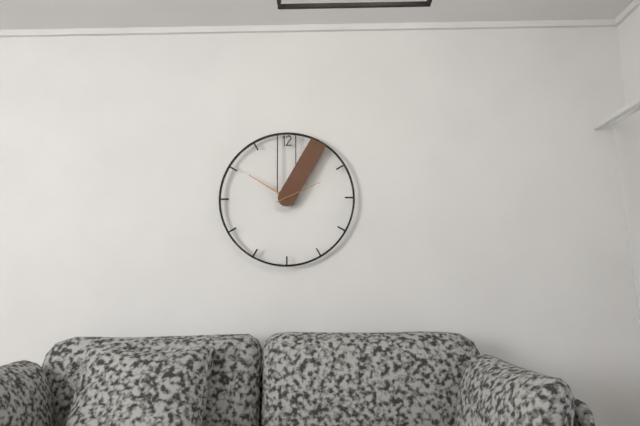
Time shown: {"hour": 10, "minute": 5}
